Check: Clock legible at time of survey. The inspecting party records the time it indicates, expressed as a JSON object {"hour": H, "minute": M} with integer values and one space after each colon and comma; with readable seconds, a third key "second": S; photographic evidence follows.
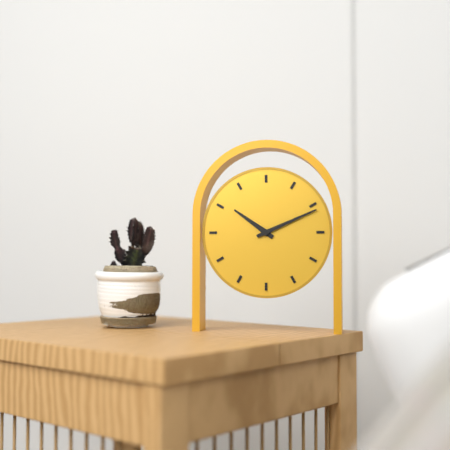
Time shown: {"hour": 10, "minute": 11}
